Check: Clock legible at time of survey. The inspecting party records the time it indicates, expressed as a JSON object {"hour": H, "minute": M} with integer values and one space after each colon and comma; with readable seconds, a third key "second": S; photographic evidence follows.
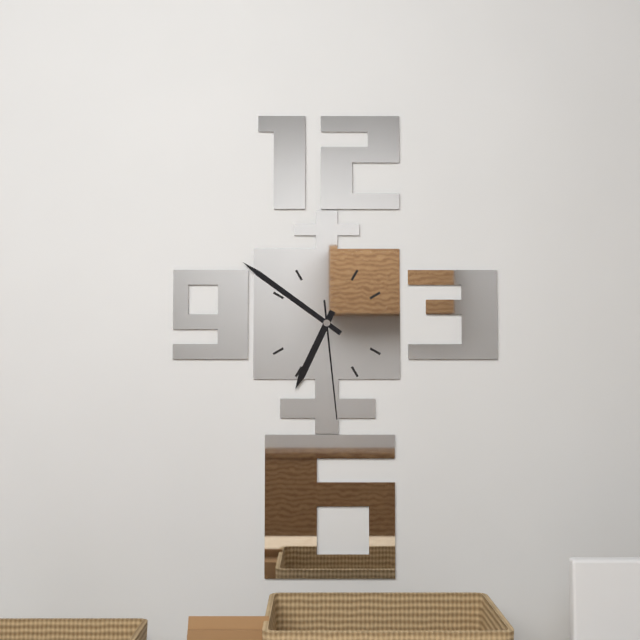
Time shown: {"hour": 6, "minute": 51, "second": 29}
